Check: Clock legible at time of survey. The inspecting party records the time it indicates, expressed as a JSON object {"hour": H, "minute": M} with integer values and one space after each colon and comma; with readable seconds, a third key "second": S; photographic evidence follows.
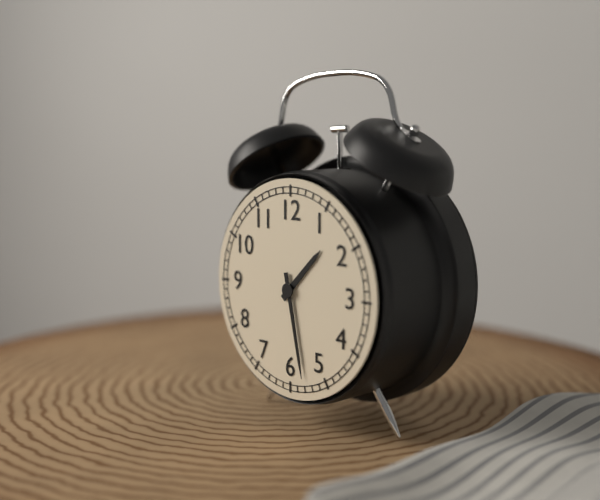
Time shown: {"hour": 1, "minute": 28}
